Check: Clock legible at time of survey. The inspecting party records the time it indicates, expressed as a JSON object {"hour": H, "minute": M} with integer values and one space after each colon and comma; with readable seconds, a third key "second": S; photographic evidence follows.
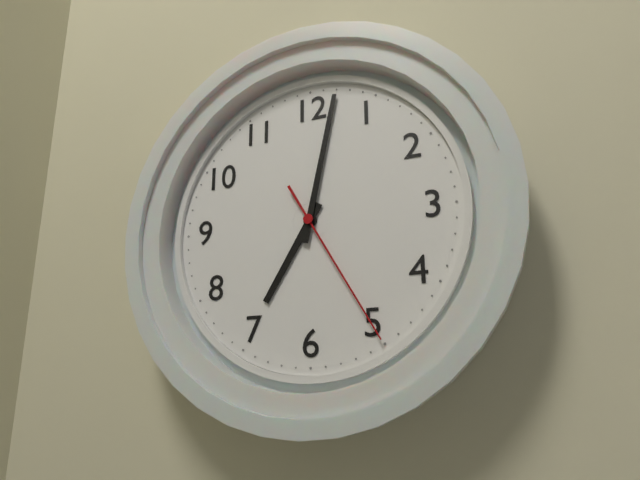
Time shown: {"hour": 7, "minute": 2, "second": 25}
